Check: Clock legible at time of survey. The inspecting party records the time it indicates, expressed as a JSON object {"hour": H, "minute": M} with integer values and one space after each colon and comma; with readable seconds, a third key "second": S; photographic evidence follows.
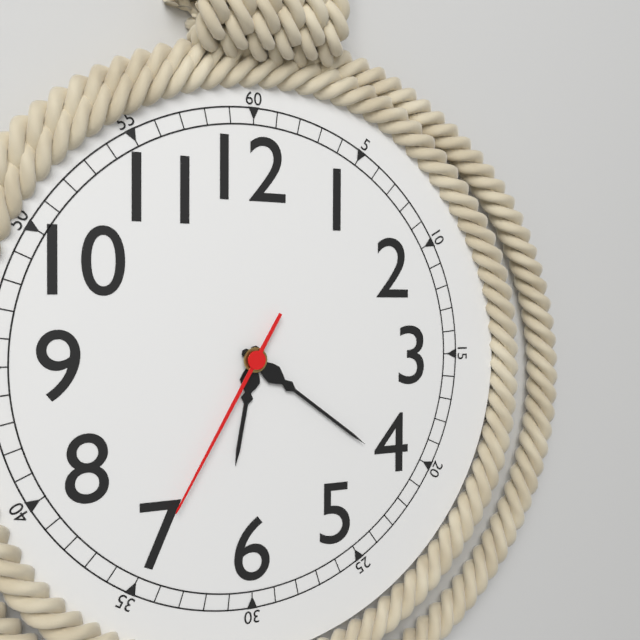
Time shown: {"hour": 6, "minute": 21, "second": 35}
